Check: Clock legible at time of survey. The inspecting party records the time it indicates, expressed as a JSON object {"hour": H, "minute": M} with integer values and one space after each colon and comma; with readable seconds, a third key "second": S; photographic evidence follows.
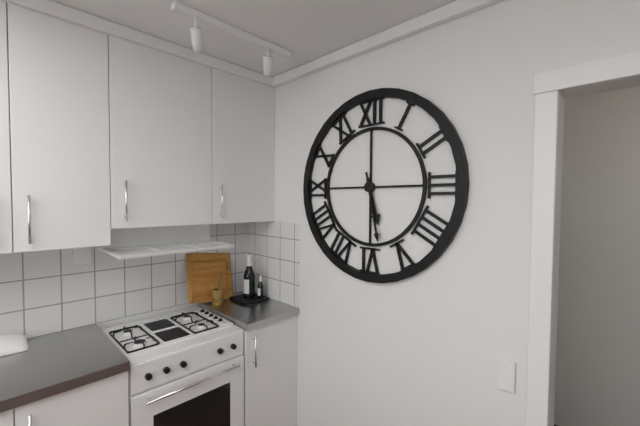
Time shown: {"hour": 5, "minute": 28}
